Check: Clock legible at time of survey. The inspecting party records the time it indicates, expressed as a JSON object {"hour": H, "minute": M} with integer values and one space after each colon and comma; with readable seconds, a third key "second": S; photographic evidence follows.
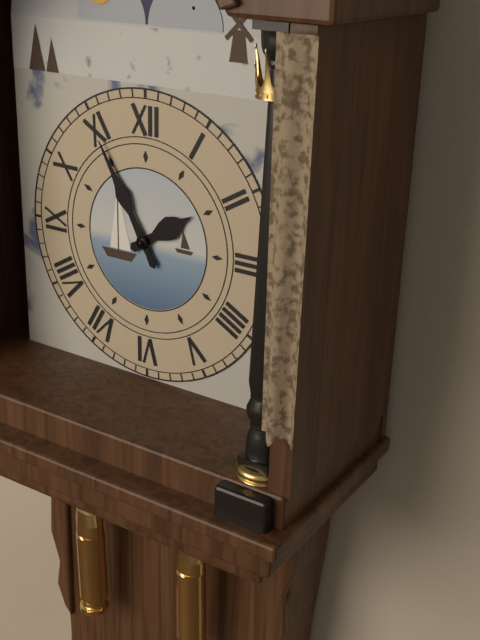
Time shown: {"hour": 1, "minute": 55}
